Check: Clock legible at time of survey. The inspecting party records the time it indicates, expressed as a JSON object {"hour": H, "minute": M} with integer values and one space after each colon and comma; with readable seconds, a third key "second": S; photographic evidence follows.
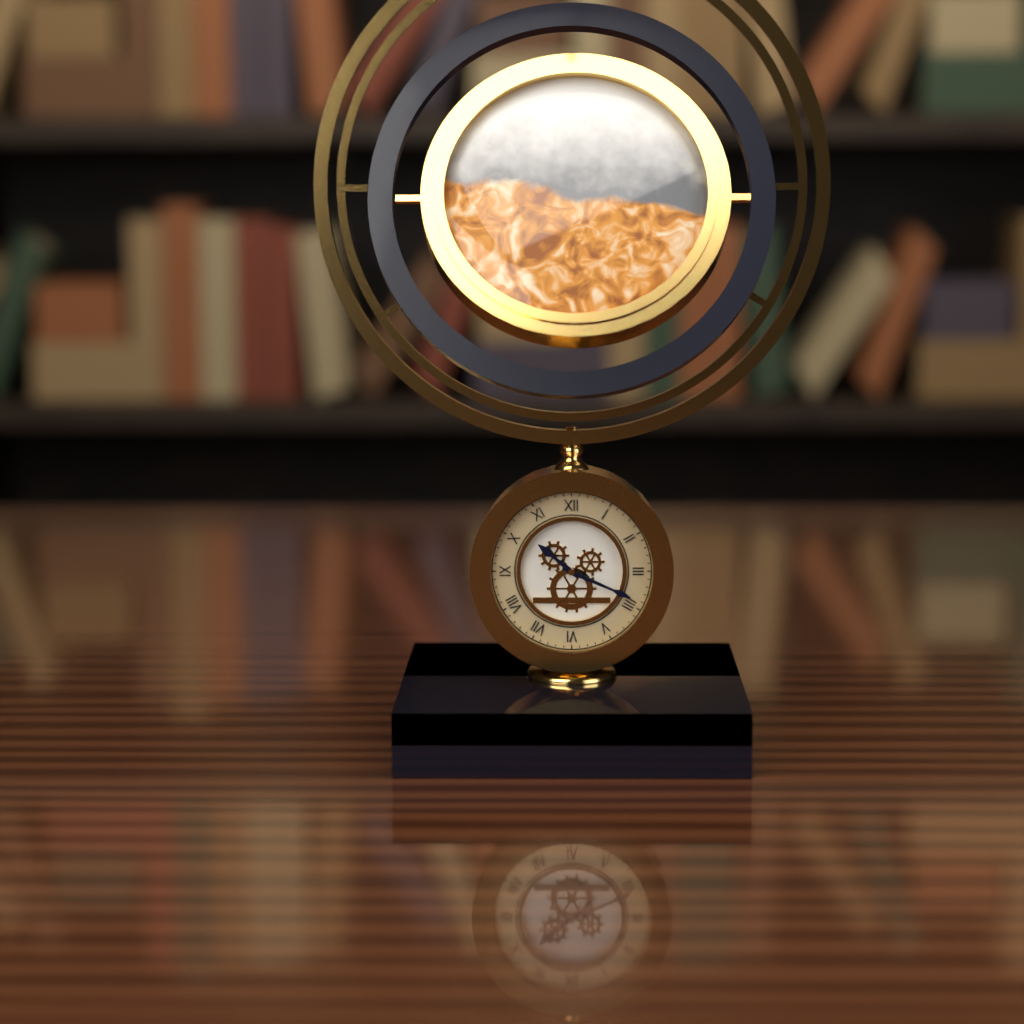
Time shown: {"hour": 10, "minute": 19}
